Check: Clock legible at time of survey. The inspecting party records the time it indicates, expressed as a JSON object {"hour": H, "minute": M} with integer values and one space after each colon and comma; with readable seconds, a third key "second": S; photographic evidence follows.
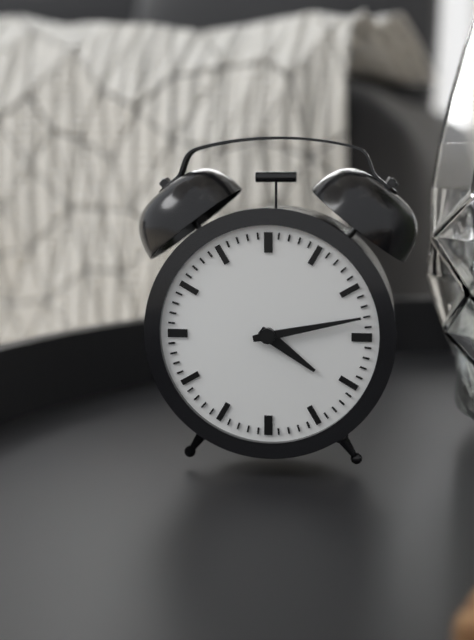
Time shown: {"hour": 4, "minute": 13}
